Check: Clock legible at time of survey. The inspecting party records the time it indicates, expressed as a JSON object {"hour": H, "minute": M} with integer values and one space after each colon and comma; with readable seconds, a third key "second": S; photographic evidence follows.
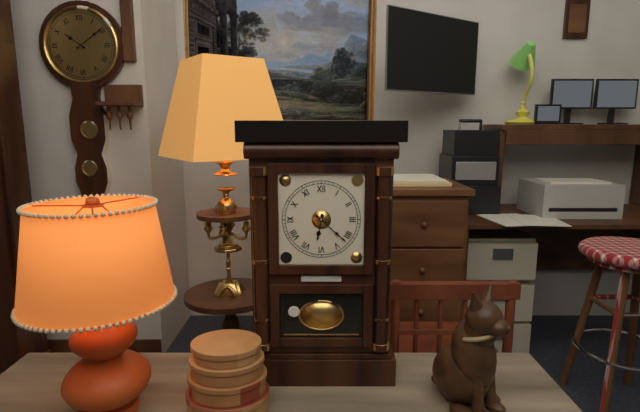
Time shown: {"hour": 6, "minute": 22}
